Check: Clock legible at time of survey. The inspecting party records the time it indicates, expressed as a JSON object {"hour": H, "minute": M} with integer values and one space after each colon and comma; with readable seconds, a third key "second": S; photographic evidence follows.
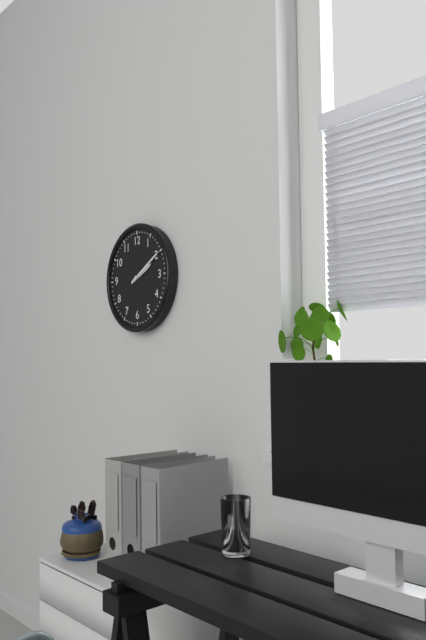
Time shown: {"hour": 2, "minute": 10}
